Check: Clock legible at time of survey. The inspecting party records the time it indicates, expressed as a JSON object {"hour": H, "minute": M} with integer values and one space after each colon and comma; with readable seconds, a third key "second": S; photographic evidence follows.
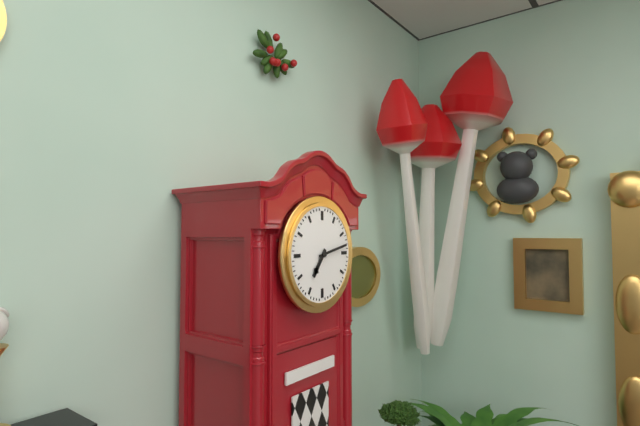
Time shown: {"hour": 7, "minute": 13}
